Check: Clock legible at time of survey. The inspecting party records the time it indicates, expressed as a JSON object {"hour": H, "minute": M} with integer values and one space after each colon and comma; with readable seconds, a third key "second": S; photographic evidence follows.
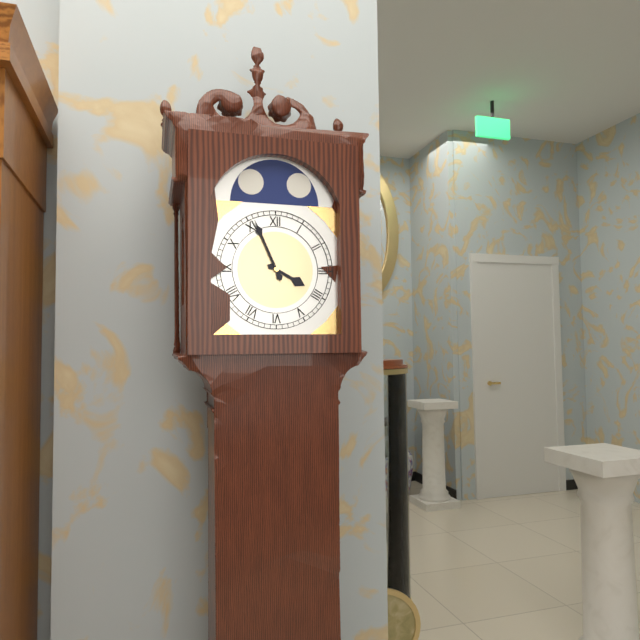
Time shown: {"hour": 3, "minute": 56}
